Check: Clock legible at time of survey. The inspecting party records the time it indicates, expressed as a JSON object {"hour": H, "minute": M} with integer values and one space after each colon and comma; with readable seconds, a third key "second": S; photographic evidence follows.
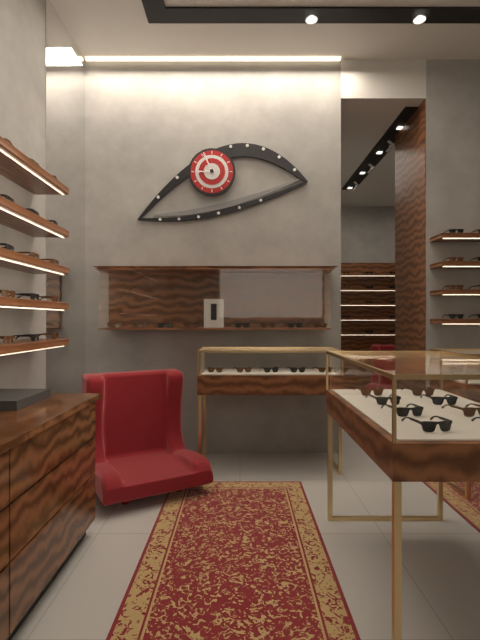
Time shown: {"hour": 8, "minute": 56}
